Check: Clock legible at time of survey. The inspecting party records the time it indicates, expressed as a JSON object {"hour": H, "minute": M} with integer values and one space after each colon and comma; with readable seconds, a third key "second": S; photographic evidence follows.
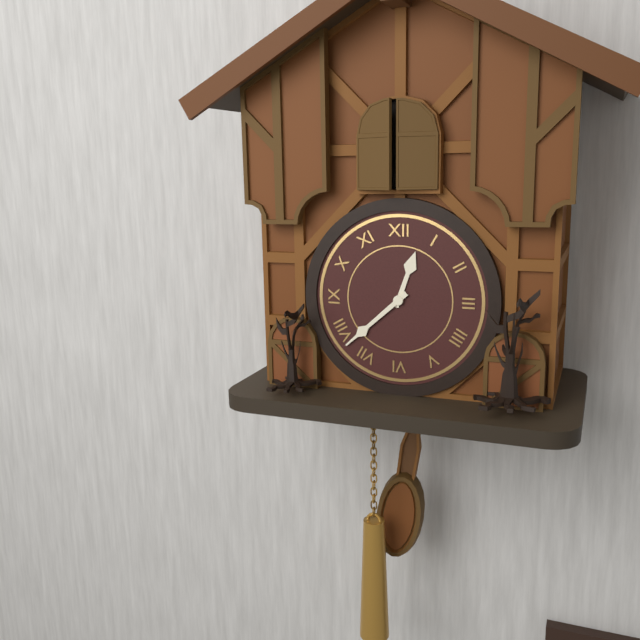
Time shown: {"hour": 12, "minute": 38}
